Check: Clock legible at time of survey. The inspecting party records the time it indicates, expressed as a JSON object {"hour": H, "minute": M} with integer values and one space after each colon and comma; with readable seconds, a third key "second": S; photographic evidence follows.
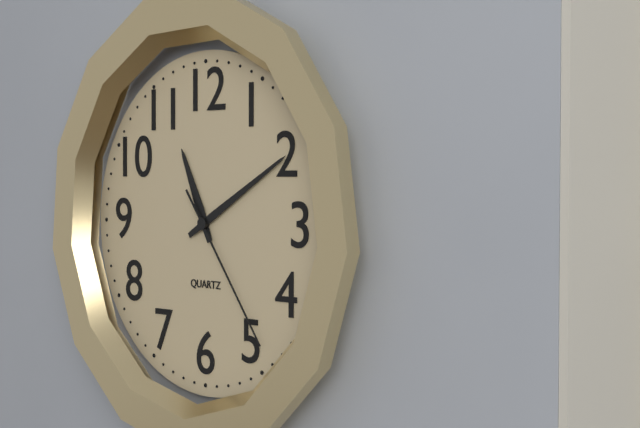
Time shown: {"hour": 11, "minute": 10, "second": 24}
